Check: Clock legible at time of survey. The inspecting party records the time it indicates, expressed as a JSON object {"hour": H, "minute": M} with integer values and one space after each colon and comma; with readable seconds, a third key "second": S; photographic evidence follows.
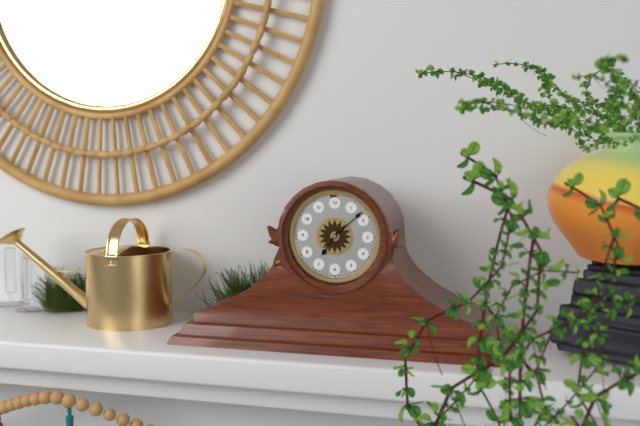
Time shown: {"hour": 7, "minute": 8}
